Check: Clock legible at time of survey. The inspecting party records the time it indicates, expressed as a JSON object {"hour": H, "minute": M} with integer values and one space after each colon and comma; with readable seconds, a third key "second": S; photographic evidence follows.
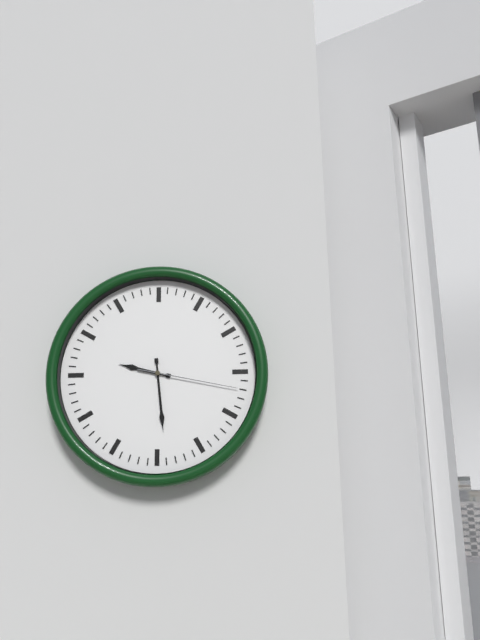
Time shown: {"hour": 9, "minute": 29, "second": 17}
